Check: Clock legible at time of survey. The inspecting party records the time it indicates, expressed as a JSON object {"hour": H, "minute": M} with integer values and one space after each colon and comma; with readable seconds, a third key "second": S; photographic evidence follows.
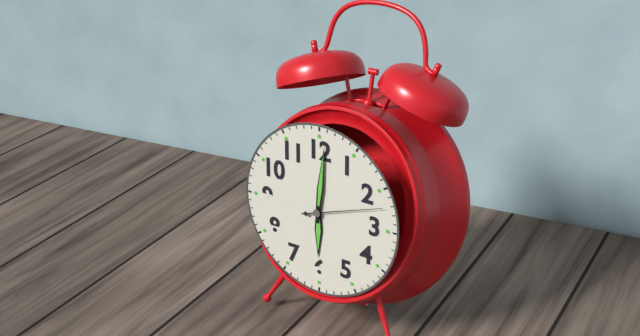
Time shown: {"hour": 6, "minute": 1, "second": 12}
